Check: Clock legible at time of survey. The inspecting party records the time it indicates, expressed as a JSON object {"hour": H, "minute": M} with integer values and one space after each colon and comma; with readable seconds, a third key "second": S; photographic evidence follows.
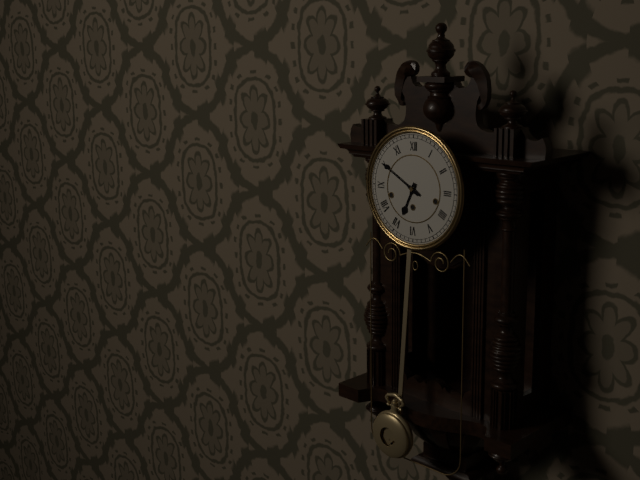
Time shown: {"hour": 6, "minute": 50}
